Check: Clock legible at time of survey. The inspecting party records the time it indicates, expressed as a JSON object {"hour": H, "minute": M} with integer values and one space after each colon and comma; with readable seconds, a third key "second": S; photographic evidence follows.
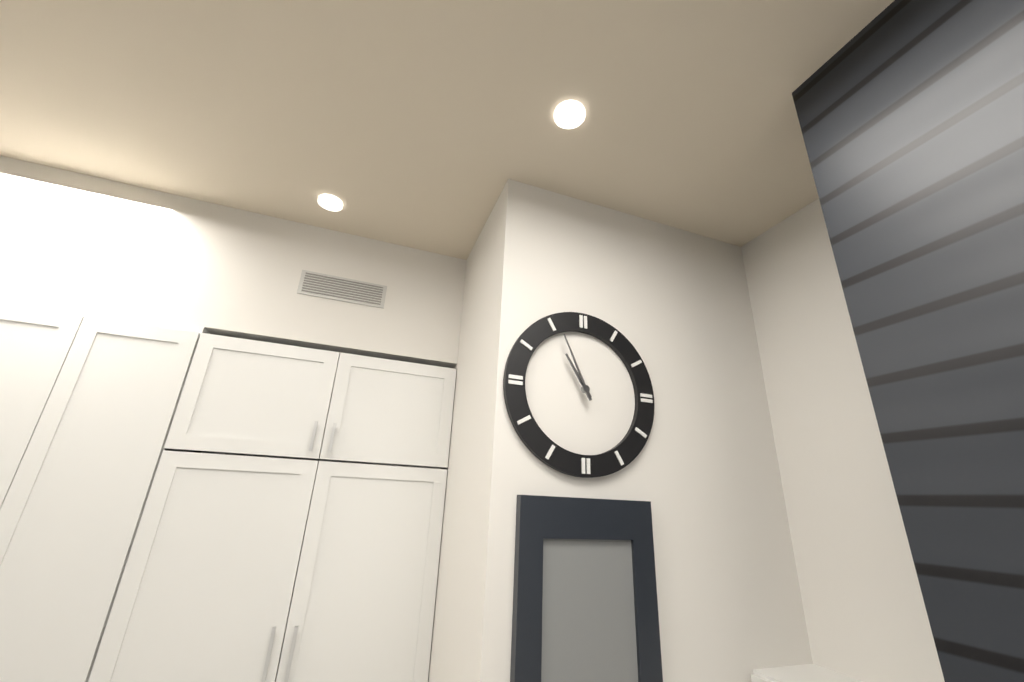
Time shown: {"hour": 10, "minute": 56}
